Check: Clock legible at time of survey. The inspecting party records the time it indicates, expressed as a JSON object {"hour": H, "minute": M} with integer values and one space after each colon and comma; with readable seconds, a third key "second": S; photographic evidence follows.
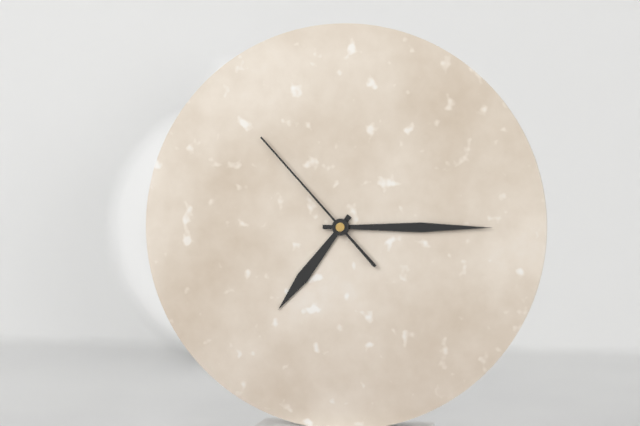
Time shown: {"hour": 7, "minute": 15, "second": 53}
